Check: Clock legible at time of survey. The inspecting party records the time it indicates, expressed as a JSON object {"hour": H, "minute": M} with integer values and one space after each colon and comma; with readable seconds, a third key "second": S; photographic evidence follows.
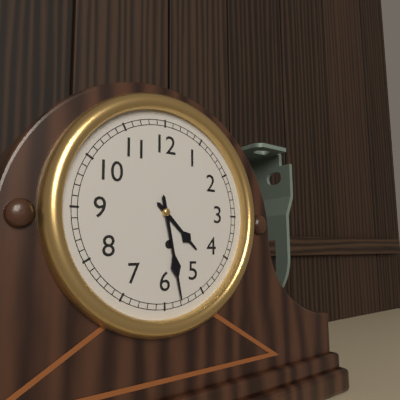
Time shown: {"hour": 4, "minute": 28}
